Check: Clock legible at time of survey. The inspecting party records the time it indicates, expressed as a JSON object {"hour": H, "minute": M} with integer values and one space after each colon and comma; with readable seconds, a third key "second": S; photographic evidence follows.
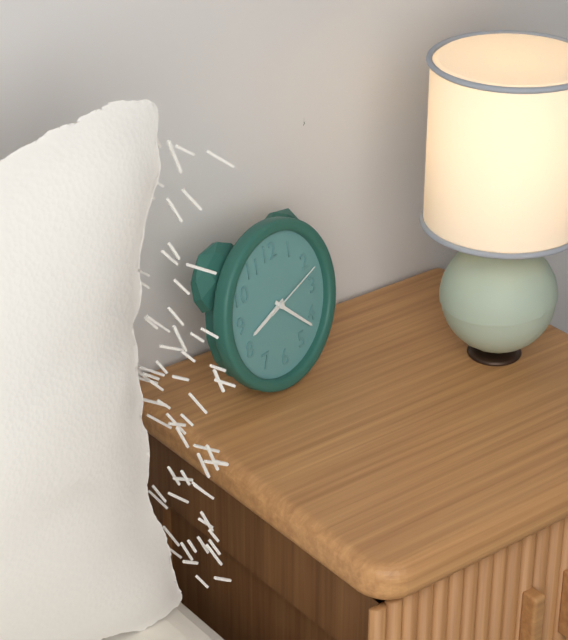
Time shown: {"hour": 8, "minute": 22, "second": 12}
